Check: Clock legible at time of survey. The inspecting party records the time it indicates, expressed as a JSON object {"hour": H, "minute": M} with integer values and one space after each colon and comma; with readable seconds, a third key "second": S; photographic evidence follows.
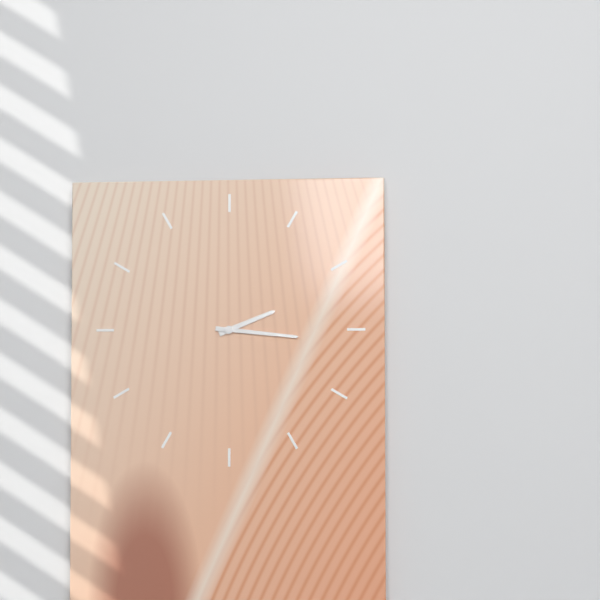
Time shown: {"hour": 2, "minute": 16}
